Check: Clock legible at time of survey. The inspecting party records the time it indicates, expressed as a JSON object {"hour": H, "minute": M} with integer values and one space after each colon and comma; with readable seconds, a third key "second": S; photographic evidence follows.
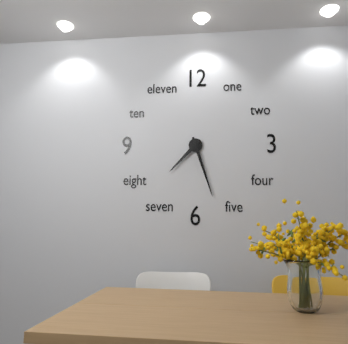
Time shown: {"hour": 7, "minute": 27}
